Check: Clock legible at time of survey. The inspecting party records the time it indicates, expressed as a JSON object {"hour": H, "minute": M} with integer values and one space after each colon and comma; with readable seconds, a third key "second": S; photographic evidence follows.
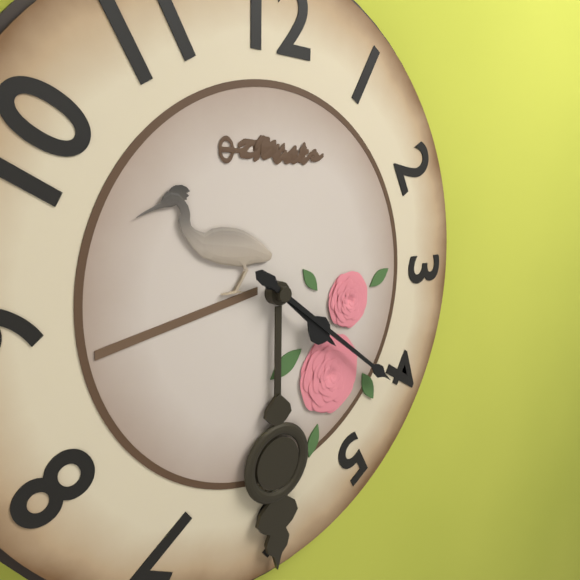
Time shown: {"hour": 4, "minute": 21}
